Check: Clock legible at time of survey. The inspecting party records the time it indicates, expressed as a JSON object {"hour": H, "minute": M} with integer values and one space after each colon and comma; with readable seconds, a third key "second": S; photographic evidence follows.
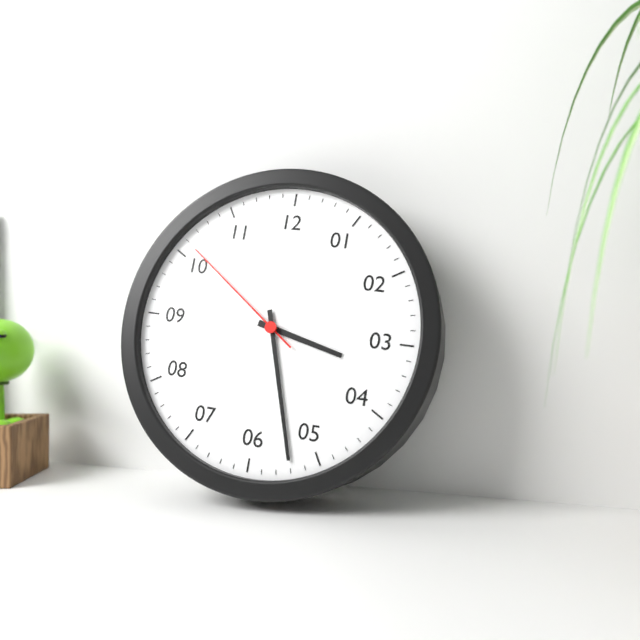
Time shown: {"hour": 3, "minute": 27, "second": 51}
